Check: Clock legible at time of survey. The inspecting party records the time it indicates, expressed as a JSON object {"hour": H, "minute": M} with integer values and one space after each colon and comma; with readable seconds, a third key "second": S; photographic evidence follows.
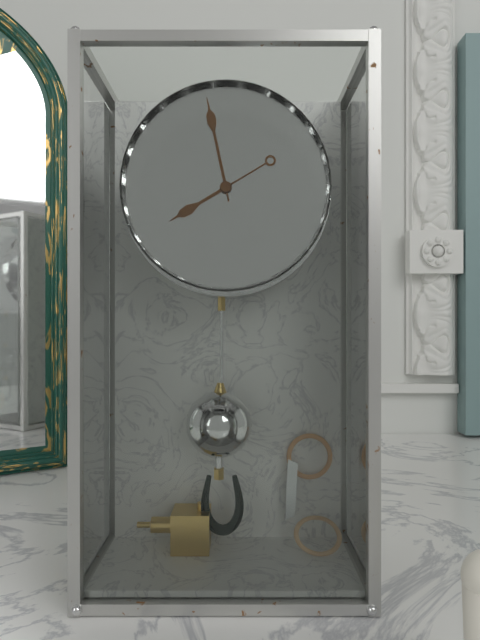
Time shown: {"hour": 7, "minute": 58}
